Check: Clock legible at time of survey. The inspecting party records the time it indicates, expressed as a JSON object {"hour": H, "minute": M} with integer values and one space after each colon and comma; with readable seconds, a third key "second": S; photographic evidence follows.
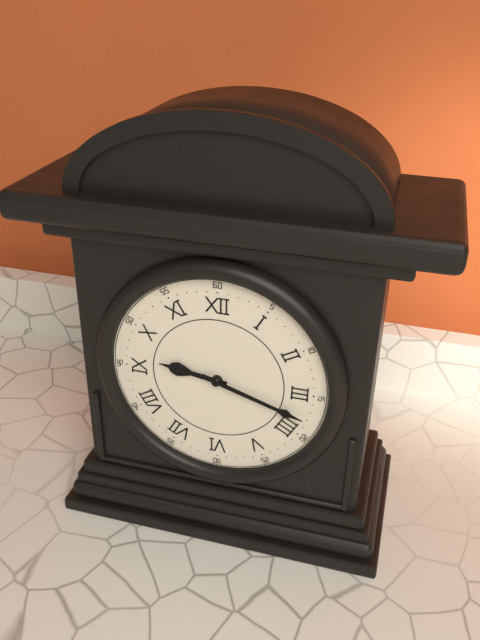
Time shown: {"hour": 9, "minute": 18}
